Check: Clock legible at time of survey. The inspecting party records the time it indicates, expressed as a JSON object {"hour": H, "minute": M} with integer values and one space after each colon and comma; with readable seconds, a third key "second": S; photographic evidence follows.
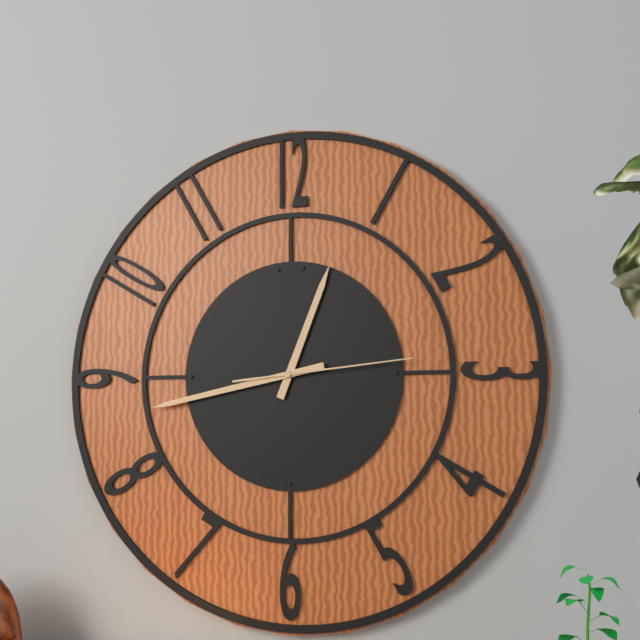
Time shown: {"hour": 12, "minute": 43, "second": 14}
